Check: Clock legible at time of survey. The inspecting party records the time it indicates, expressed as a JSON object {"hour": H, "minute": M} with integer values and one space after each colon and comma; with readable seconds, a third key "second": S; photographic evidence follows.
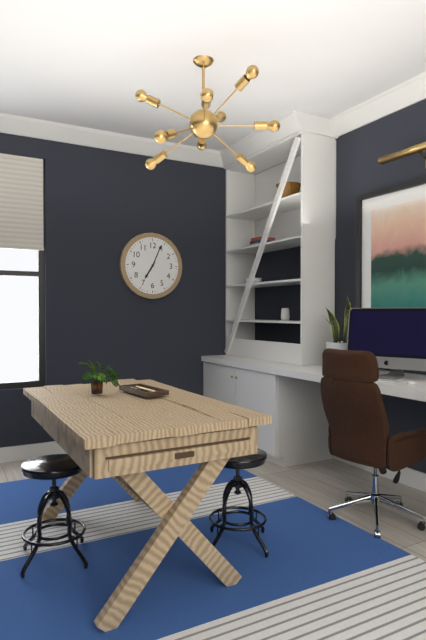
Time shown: {"hour": 7, "minute": 4}
